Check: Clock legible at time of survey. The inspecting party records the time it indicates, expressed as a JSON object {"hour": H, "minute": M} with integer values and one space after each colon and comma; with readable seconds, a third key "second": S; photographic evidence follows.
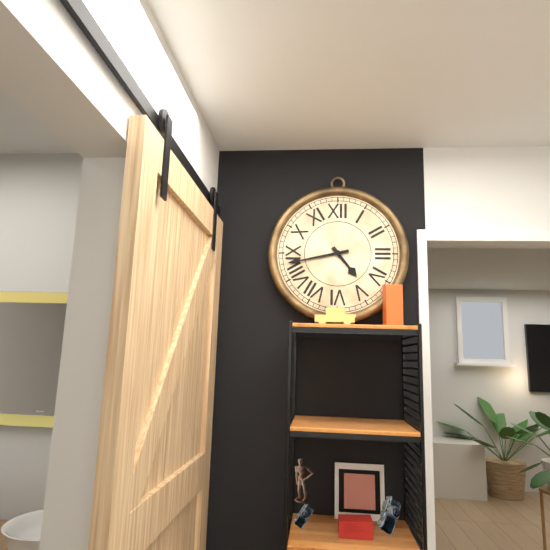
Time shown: {"hour": 4, "minute": 43}
